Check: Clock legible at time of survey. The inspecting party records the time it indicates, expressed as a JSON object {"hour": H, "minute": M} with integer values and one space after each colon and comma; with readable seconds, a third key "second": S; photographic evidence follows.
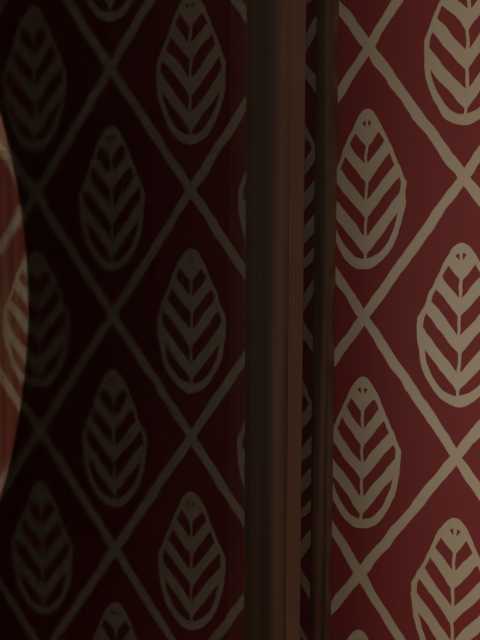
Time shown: {"hour": 8, "minute": 48}
